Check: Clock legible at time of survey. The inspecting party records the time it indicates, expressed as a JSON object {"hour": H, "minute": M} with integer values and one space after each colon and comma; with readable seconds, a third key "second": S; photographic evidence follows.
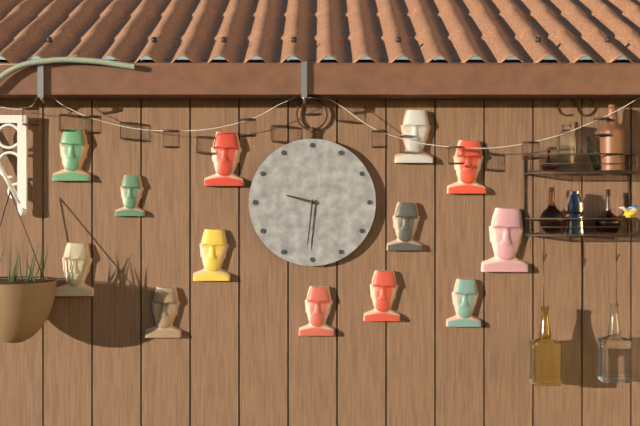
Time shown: {"hour": 9, "minute": 31}
